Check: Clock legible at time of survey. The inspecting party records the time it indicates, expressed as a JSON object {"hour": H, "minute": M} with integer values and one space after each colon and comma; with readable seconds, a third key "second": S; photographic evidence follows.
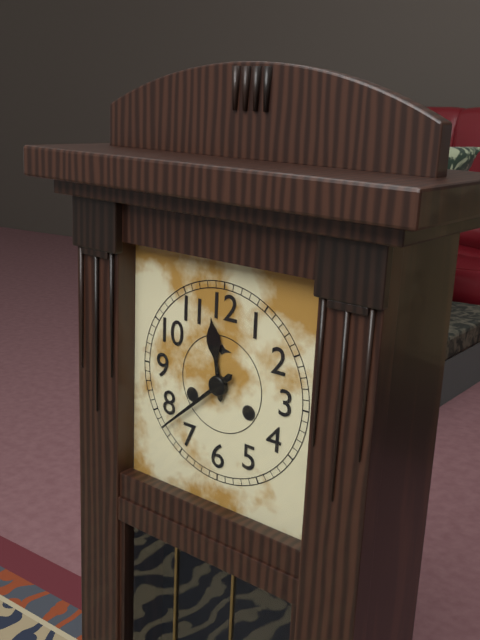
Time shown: {"hour": 11, "minute": 38}
